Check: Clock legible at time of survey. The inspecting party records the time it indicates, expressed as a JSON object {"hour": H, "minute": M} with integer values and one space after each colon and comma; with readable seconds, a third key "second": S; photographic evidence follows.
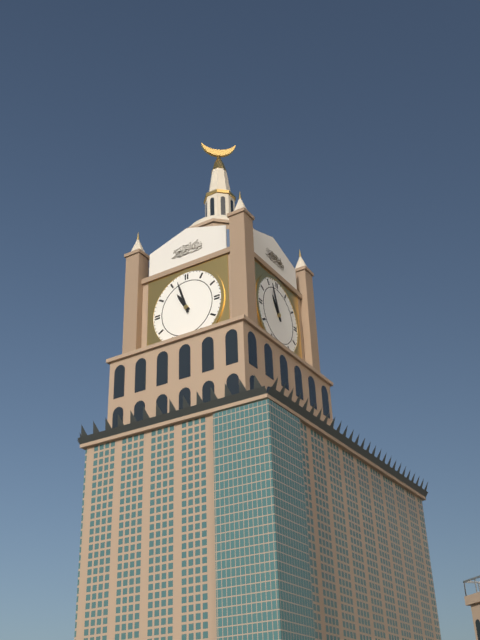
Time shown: {"hour": 10, "minute": 57}
